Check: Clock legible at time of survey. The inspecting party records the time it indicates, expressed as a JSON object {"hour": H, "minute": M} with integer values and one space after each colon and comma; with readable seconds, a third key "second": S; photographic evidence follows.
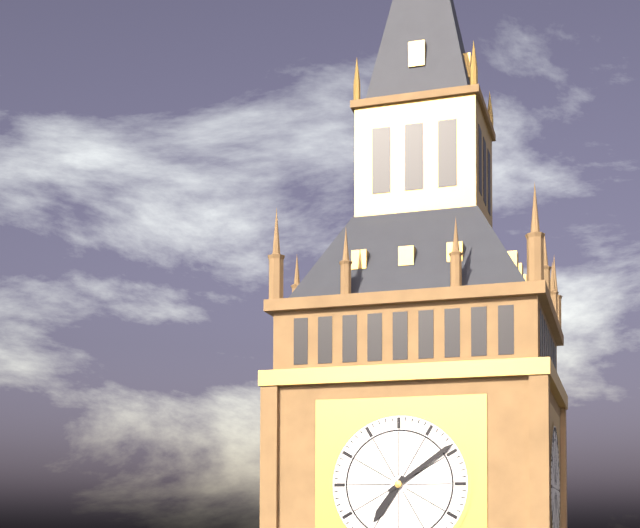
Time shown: {"hour": 7, "minute": 9}
